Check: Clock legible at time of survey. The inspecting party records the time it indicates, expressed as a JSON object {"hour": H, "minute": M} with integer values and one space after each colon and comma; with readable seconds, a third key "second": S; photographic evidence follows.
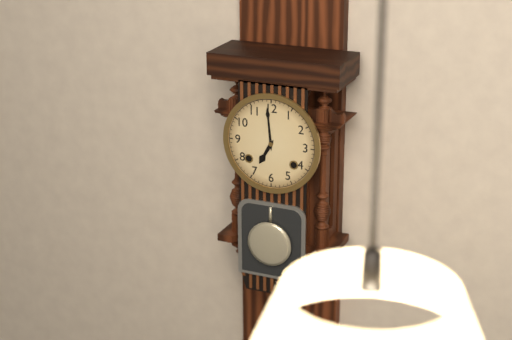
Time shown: {"hour": 6, "minute": 59}
